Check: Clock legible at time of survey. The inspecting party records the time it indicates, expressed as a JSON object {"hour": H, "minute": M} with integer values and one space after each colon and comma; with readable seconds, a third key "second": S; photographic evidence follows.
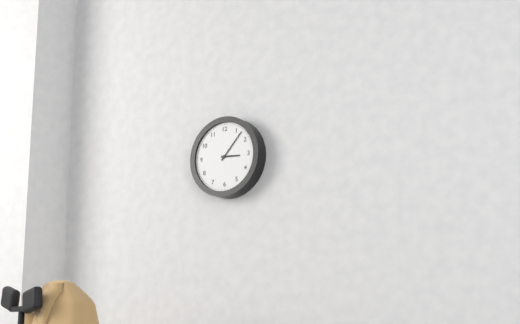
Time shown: {"hour": 3, "minute": 7}
